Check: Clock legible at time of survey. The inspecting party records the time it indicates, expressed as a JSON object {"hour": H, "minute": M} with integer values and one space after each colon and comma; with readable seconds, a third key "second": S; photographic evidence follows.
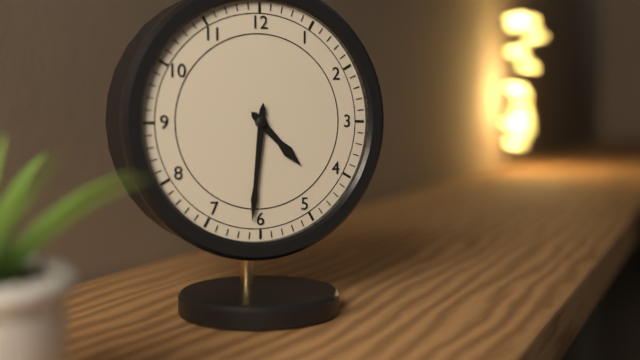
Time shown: {"hour": 4, "minute": 31}
